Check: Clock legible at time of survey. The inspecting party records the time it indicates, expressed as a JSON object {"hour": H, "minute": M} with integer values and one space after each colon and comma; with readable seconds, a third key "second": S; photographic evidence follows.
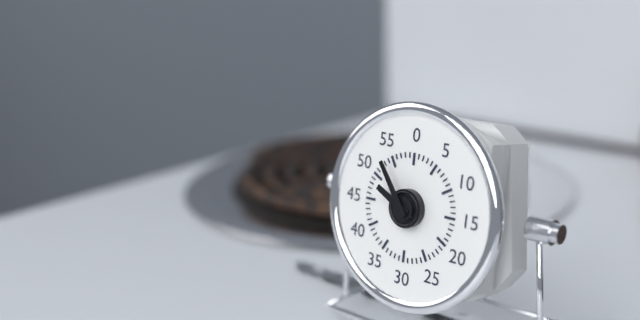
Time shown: {"hour": 9, "minute": 54}
